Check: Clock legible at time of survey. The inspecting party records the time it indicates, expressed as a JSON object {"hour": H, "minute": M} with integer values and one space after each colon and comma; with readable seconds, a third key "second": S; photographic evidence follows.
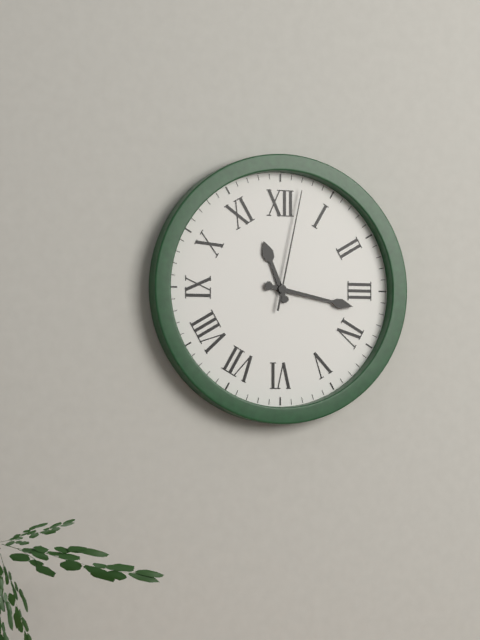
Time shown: {"hour": 11, "minute": 17, "second": 2}
